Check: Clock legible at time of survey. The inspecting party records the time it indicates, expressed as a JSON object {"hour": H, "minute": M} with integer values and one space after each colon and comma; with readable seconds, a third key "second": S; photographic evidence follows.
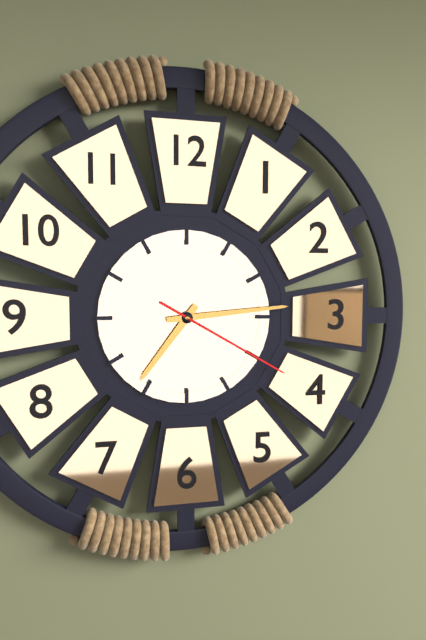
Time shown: {"hour": 7, "minute": 14, "second": 20}
